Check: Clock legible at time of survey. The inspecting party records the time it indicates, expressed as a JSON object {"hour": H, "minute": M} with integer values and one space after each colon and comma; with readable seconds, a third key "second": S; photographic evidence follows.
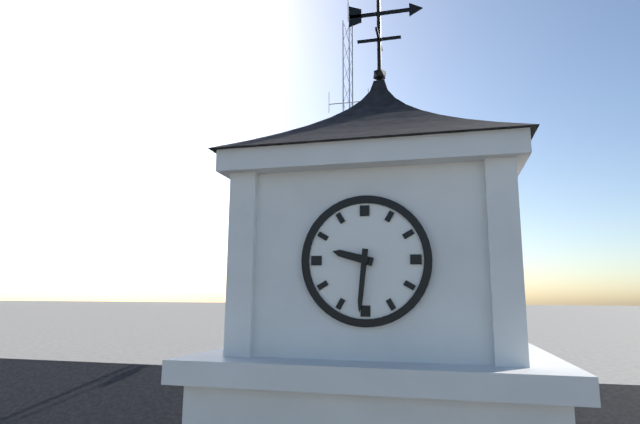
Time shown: {"hour": 9, "minute": 31}
